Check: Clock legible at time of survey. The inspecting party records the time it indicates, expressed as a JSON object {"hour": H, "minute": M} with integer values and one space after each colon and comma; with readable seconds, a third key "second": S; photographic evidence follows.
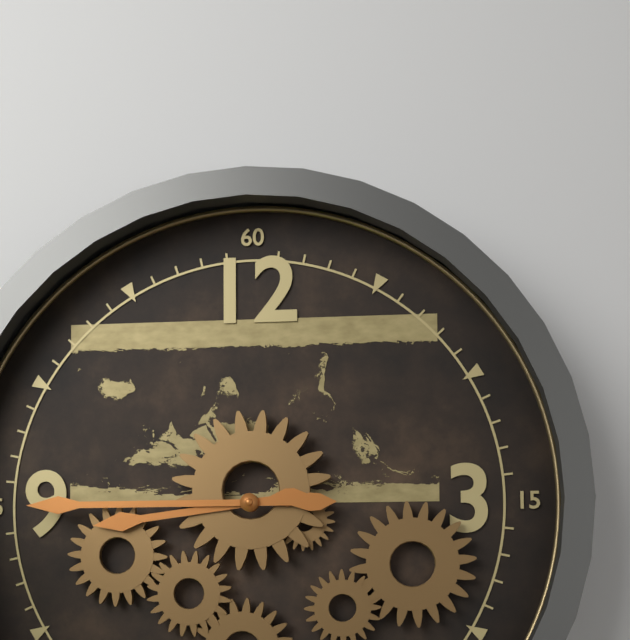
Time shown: {"hour": 8, "minute": 45}
